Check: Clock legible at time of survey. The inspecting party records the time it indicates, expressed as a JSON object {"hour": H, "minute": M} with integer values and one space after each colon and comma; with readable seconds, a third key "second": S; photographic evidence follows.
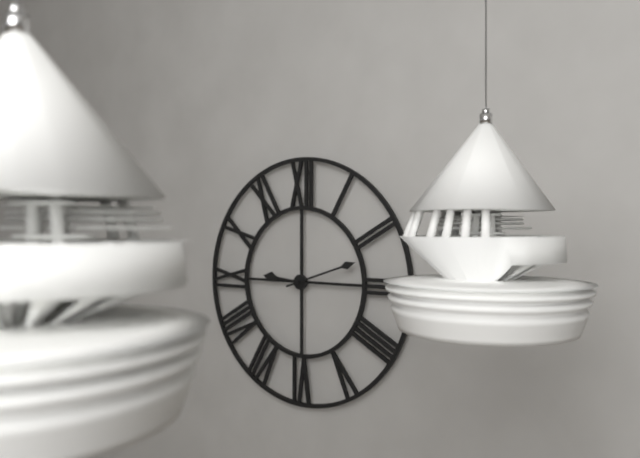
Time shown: {"hour": 9, "minute": 12}
